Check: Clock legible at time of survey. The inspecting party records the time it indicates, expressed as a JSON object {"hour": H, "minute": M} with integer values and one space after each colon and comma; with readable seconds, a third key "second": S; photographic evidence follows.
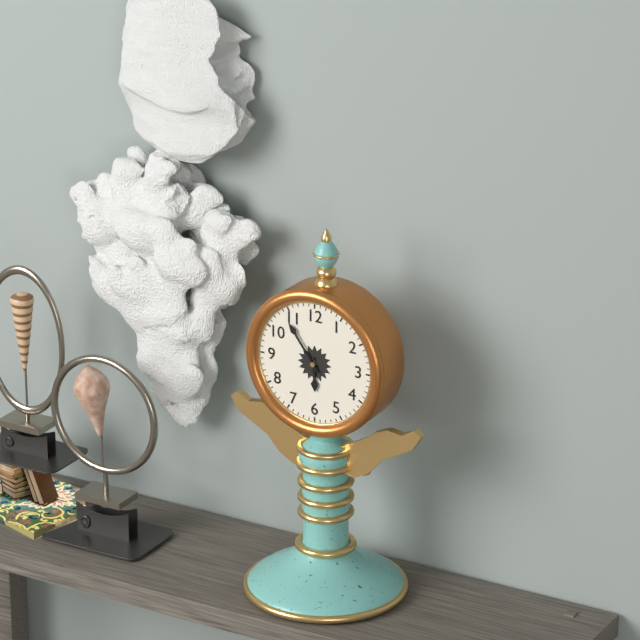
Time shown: {"hour": 5, "minute": 54}
